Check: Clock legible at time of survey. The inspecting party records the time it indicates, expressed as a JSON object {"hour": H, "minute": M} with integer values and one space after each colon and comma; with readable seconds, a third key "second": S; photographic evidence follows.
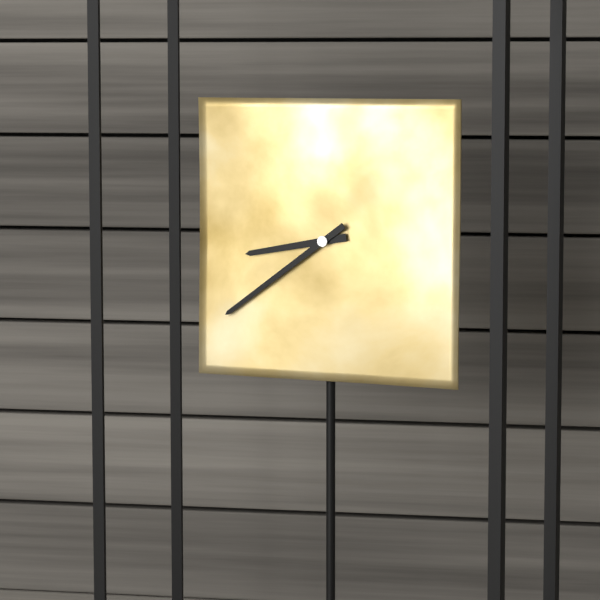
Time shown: {"hour": 8, "minute": 39}
